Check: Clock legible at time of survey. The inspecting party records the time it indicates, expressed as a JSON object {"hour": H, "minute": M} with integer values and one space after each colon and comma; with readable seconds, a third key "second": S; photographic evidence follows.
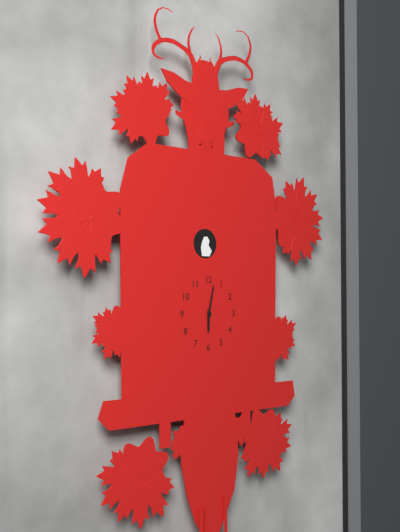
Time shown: {"hour": 6, "minute": 2}
